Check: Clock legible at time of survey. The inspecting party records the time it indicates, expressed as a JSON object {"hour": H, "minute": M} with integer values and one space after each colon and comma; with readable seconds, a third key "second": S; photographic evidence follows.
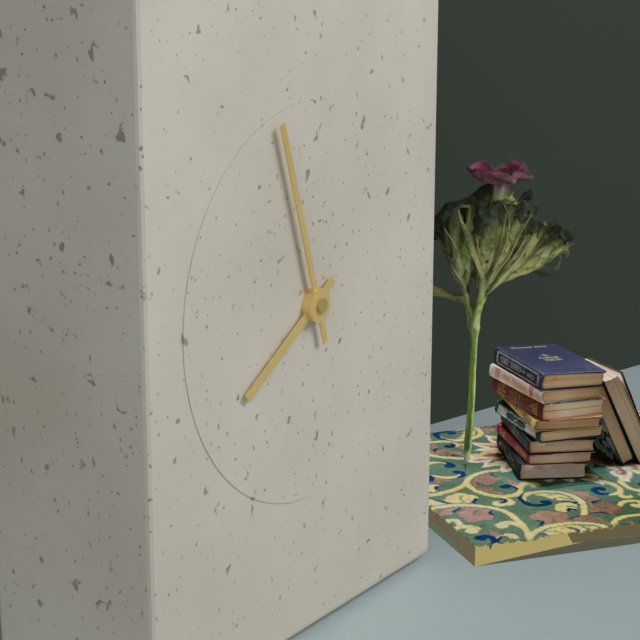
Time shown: {"hour": 7, "minute": 57}
